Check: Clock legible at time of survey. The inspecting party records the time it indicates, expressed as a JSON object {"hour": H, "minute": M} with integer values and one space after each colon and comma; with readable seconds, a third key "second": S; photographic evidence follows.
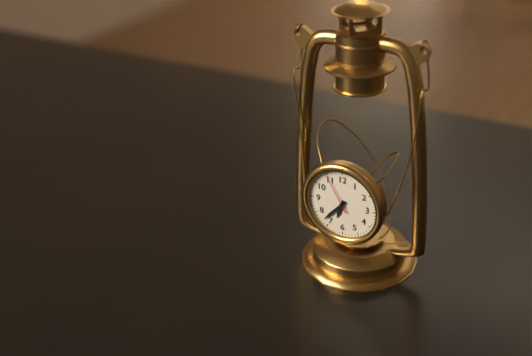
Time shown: {"hour": 6, "minute": 37}
